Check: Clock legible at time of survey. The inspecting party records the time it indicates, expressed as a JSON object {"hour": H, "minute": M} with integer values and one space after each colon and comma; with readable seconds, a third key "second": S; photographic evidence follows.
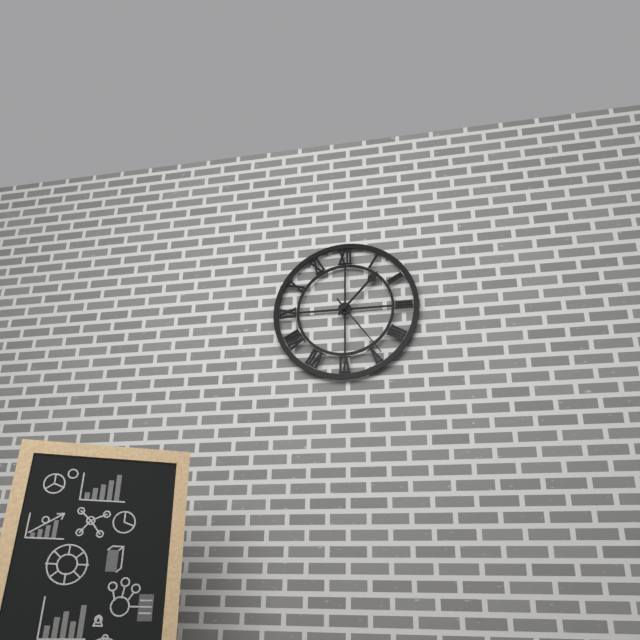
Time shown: {"hour": 1, "minute": 24}
